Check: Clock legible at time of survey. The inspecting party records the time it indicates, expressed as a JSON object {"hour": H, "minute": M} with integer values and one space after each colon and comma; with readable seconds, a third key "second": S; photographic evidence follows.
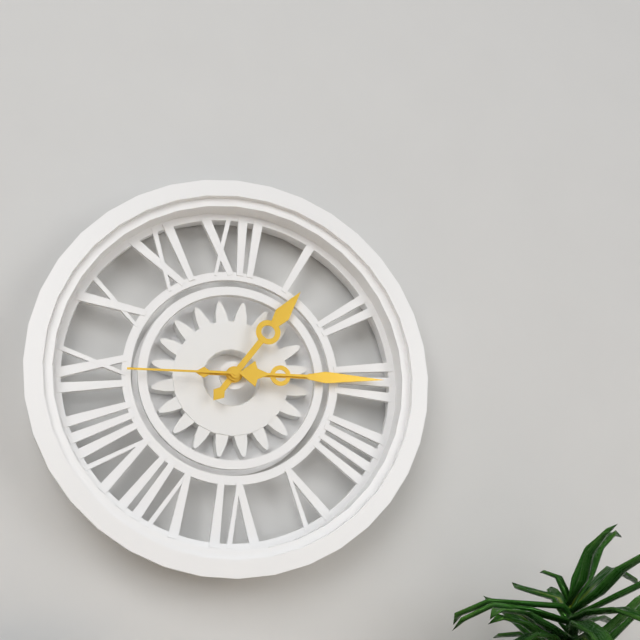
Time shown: {"hour": 1, "minute": 15, "second": 45}
